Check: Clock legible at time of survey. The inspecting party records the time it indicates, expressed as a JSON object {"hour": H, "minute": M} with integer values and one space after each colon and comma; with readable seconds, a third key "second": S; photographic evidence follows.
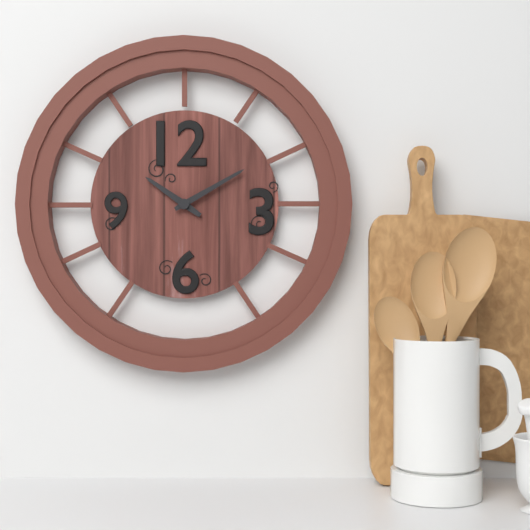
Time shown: {"hour": 10, "minute": 10}
